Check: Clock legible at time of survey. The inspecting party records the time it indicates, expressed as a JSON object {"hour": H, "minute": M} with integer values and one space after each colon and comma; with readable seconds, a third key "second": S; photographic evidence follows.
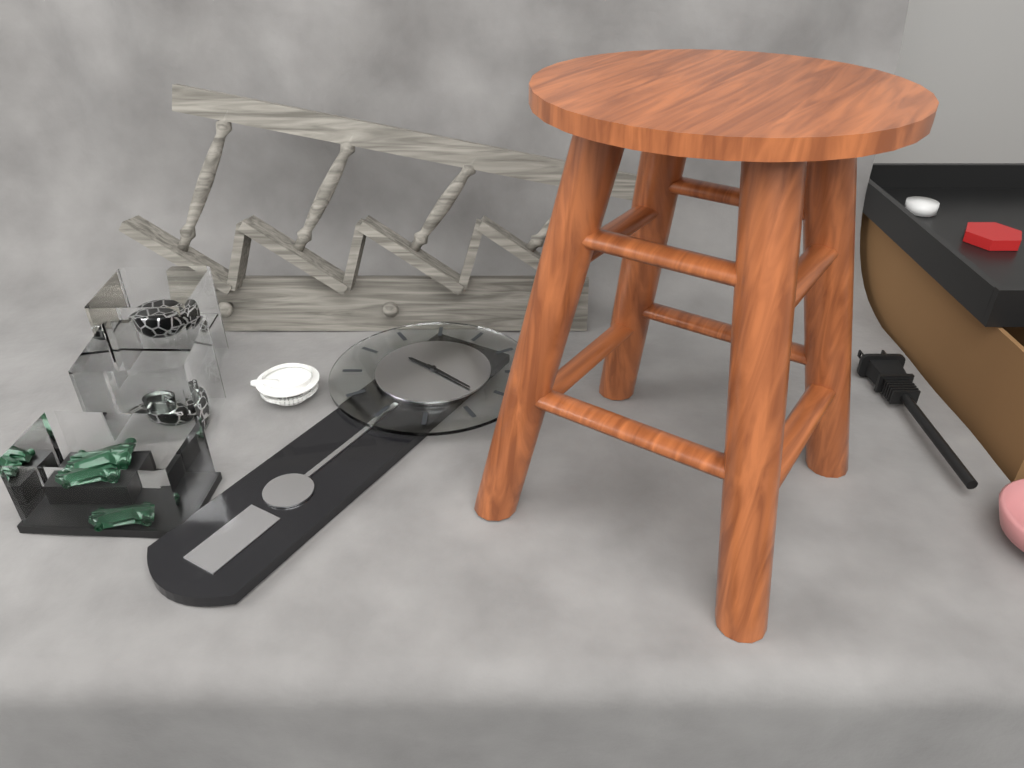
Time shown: {"hour": 9, "minute": 17}
